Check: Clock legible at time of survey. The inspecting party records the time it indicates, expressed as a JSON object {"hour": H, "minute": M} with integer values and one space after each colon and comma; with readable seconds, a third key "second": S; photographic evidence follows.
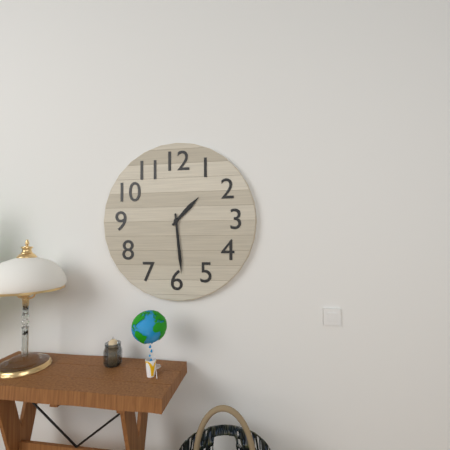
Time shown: {"hour": 1, "minute": 29}
